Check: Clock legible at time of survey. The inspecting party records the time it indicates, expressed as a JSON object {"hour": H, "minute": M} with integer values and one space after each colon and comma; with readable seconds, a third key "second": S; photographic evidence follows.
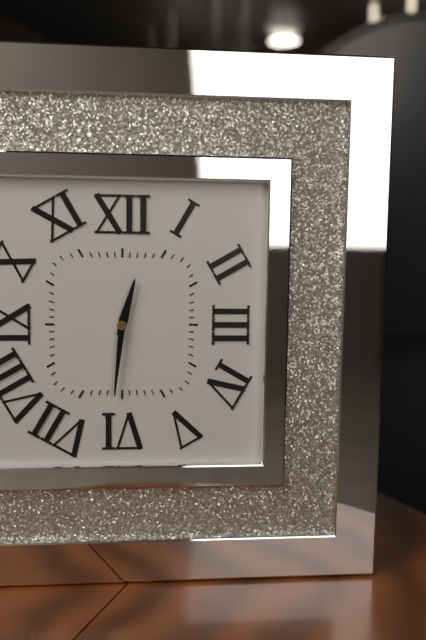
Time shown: {"hour": 12, "minute": 31}
